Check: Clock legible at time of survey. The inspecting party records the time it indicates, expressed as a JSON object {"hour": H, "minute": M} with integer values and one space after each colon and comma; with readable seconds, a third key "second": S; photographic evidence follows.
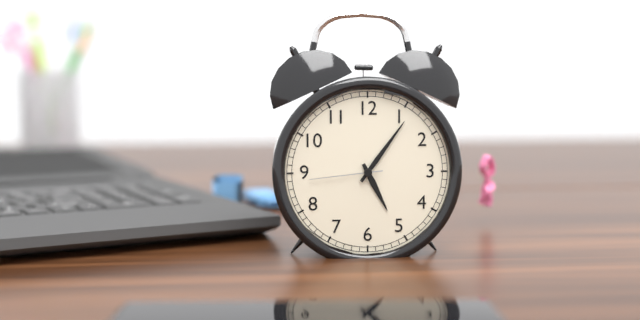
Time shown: {"hour": 5, "minute": 6, "second": 44}
